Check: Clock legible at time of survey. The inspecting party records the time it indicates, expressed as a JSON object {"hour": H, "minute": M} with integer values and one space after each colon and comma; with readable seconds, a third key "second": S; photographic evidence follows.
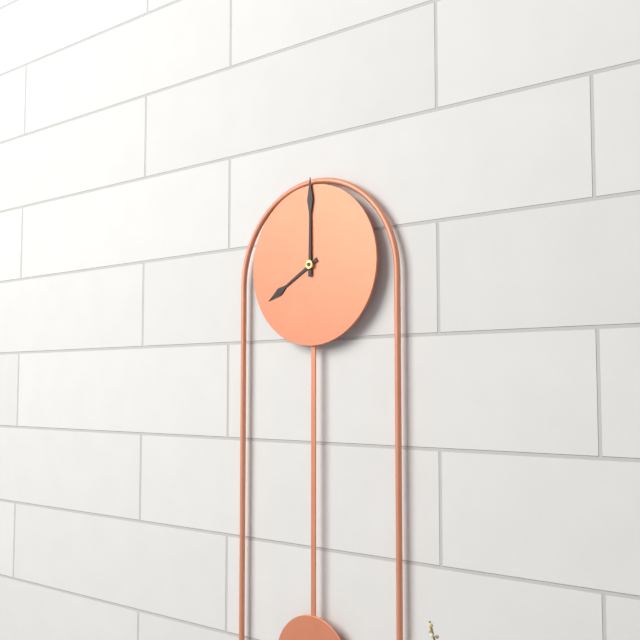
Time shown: {"hour": 8, "minute": 0}
